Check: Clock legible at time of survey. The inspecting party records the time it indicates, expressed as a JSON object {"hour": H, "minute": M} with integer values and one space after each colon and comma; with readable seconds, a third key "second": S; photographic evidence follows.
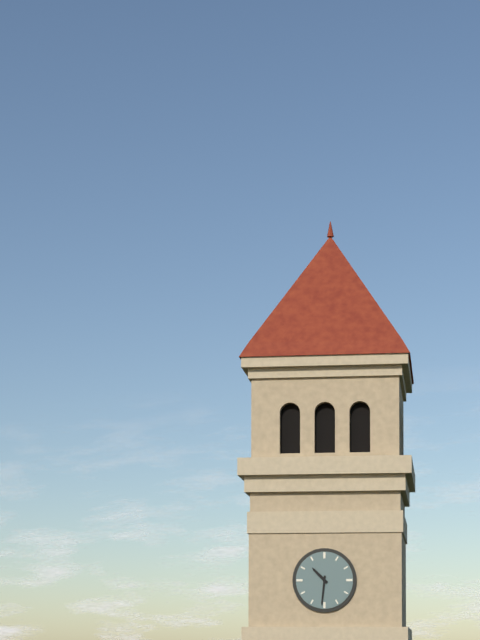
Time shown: {"hour": 10, "minute": 31}
